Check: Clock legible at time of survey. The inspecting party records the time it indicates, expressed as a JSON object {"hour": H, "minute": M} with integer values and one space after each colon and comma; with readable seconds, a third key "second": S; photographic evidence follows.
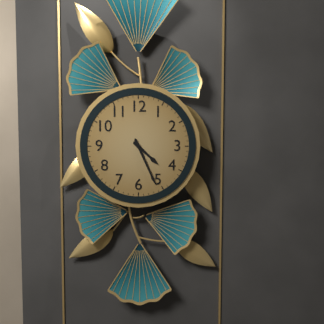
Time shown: {"hour": 4, "minute": 26}
